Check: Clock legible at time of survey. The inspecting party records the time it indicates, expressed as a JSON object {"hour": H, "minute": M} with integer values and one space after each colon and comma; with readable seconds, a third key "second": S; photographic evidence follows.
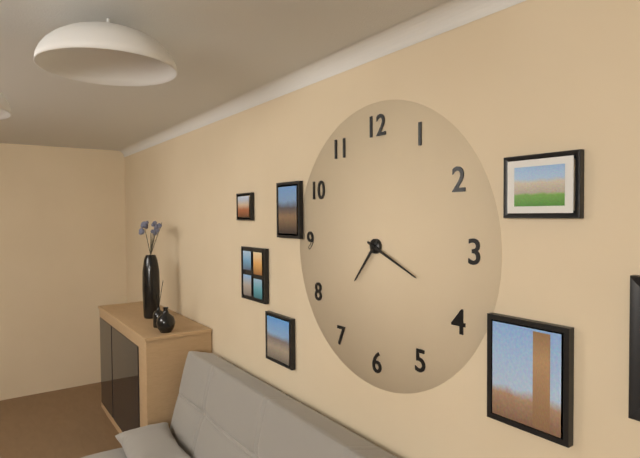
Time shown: {"hour": 7, "minute": 19}
